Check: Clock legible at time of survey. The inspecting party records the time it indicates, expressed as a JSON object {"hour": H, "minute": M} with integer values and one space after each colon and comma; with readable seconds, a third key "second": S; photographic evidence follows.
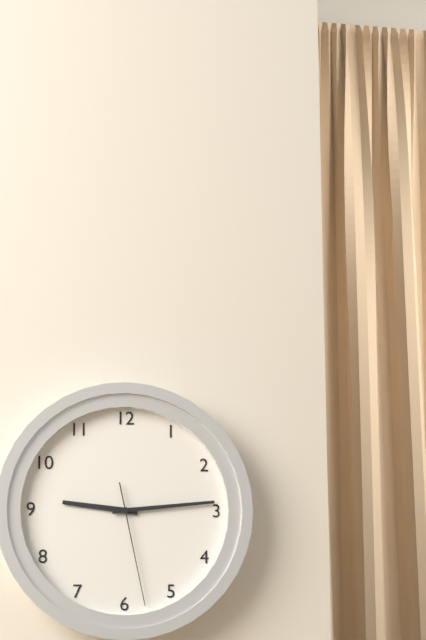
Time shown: {"hour": 9, "minute": 14, "second": 28}
